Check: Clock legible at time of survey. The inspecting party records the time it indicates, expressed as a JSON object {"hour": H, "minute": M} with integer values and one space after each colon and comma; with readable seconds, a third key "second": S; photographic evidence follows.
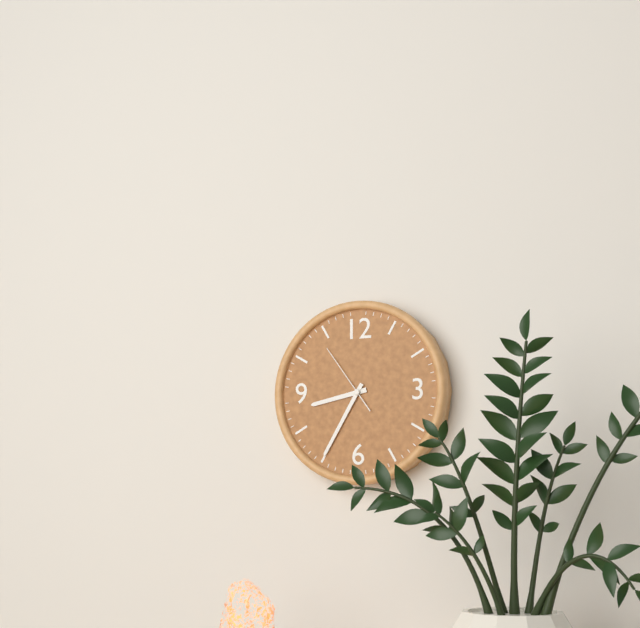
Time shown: {"hour": 8, "minute": 35, "second": 54}
